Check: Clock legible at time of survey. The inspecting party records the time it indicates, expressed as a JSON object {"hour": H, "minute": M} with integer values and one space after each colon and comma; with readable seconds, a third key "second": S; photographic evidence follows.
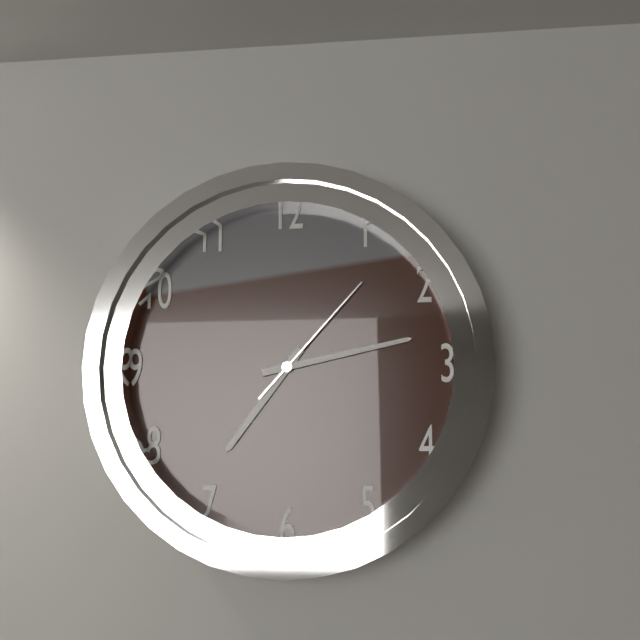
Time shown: {"hour": 7, "minute": 13, "second": 7}
